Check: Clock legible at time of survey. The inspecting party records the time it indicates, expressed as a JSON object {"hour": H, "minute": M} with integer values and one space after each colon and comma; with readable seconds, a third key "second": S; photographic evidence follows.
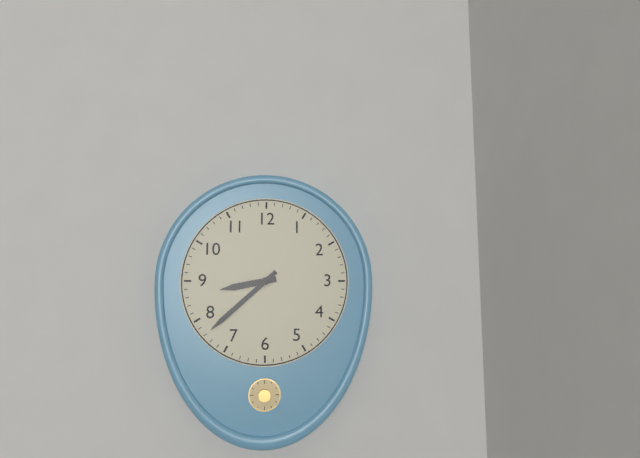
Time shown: {"hour": 8, "minute": 38}
